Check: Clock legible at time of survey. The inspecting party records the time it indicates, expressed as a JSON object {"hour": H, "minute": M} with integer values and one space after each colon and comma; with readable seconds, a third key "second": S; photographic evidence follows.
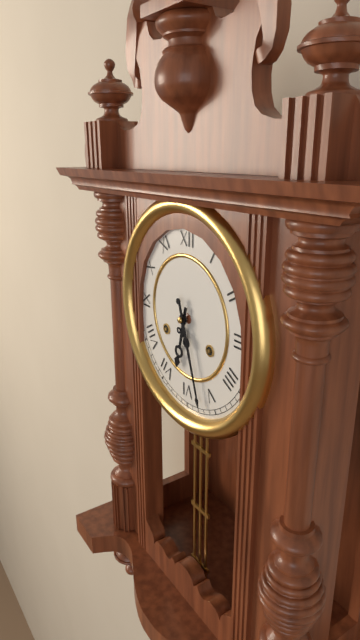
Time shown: {"hour": 6, "minute": 27}
